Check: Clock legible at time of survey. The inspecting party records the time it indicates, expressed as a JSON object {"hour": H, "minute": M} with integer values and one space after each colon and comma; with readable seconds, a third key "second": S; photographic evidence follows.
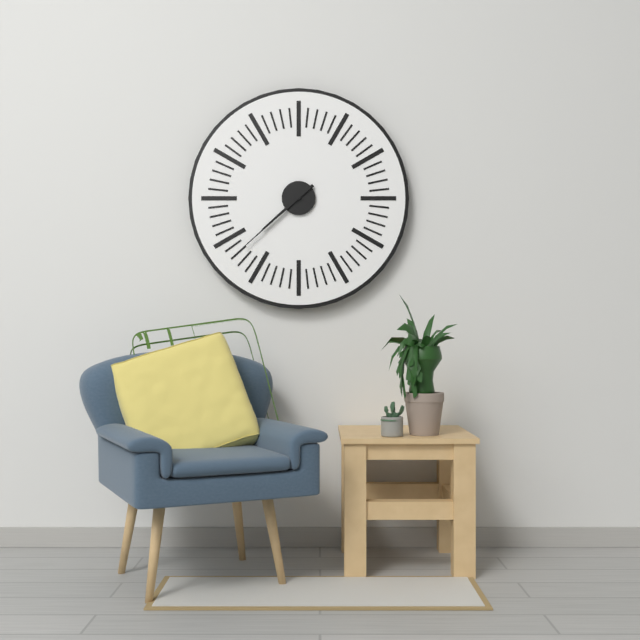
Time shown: {"hour": 7, "minute": 38}
